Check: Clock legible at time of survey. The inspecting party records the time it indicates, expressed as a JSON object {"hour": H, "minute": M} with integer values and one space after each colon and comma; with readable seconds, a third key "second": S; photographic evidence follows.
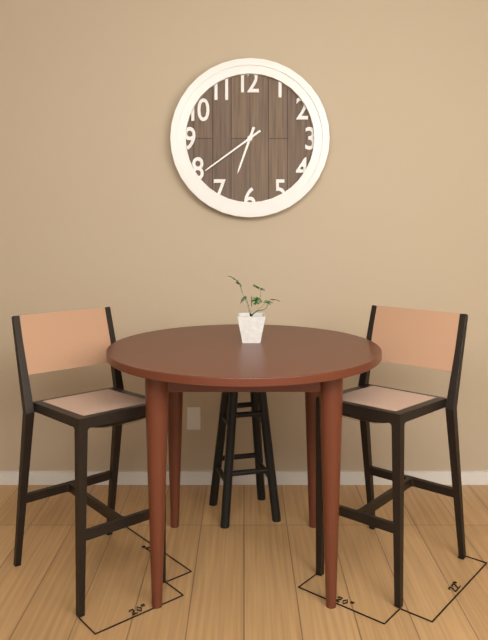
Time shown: {"hour": 6, "minute": 39}
